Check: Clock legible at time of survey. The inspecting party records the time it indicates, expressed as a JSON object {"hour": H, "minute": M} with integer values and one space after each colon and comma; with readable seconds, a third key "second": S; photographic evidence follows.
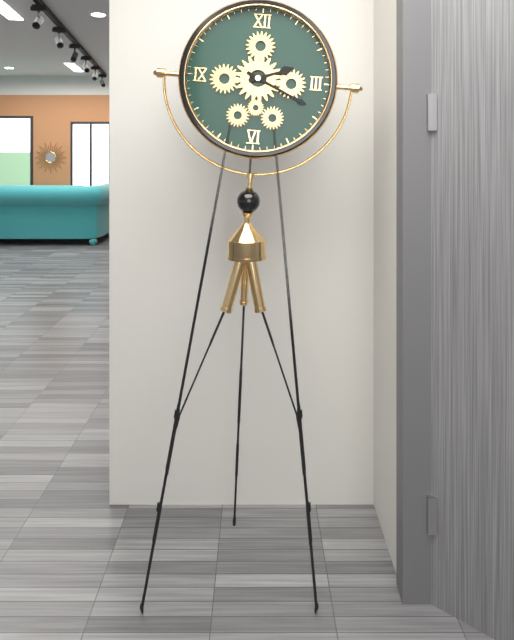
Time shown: {"hour": 2, "minute": 19}
